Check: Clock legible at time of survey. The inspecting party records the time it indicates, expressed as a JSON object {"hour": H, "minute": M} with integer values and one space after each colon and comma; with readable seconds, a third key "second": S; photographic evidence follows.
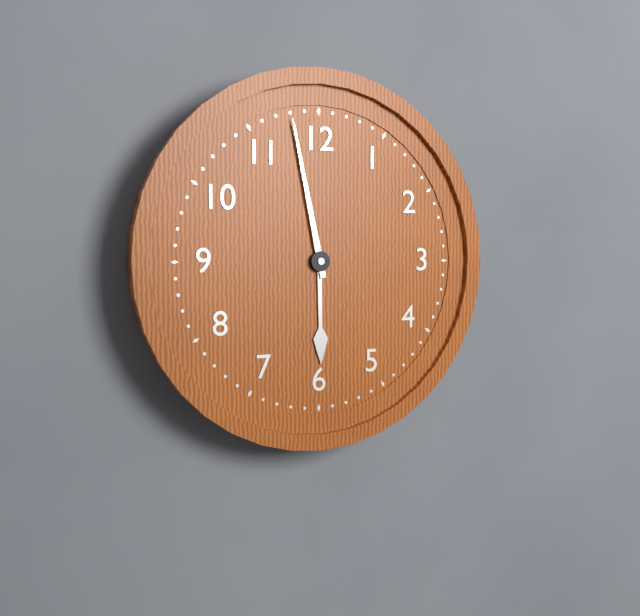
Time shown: {"hour": 5, "minute": 58}
